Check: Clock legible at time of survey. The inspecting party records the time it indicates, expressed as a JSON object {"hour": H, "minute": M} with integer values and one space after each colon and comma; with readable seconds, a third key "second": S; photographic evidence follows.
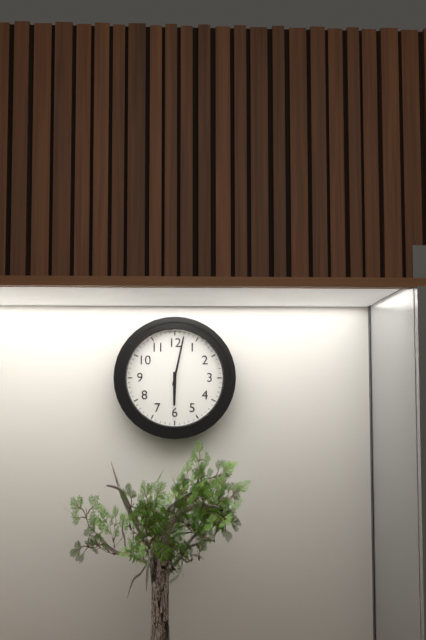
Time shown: {"hour": 6, "minute": 2}
